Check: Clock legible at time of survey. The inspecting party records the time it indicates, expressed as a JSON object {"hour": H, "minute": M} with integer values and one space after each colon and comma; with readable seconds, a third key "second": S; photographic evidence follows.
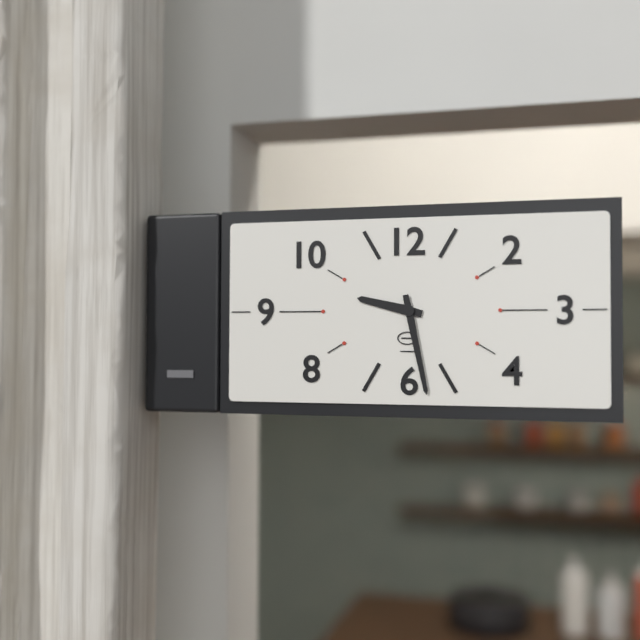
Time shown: {"hour": 9, "minute": 28}
